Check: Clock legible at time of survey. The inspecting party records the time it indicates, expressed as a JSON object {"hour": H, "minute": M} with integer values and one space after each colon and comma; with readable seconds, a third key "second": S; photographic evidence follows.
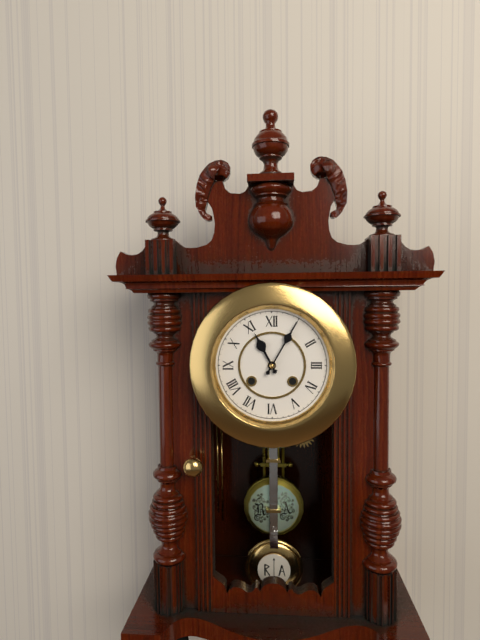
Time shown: {"hour": 11, "minute": 5}
